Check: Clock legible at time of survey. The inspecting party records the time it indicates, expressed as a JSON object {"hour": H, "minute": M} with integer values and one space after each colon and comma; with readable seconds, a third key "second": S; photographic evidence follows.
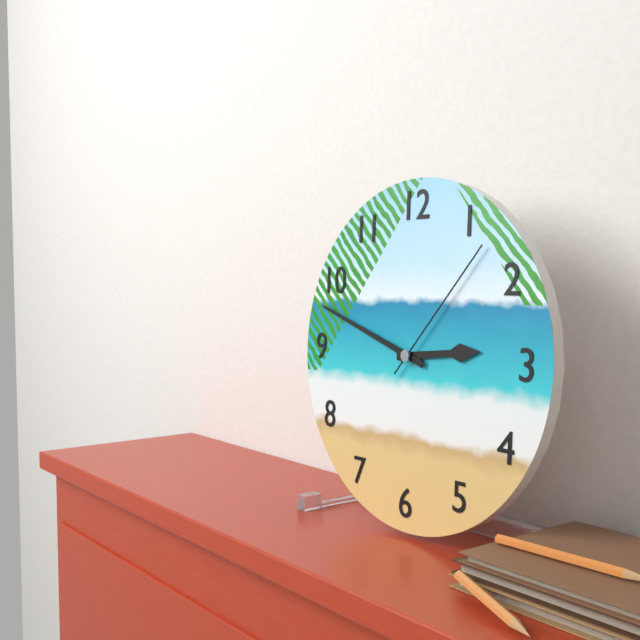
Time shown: {"hour": 2, "minute": 48, "second": 7}
